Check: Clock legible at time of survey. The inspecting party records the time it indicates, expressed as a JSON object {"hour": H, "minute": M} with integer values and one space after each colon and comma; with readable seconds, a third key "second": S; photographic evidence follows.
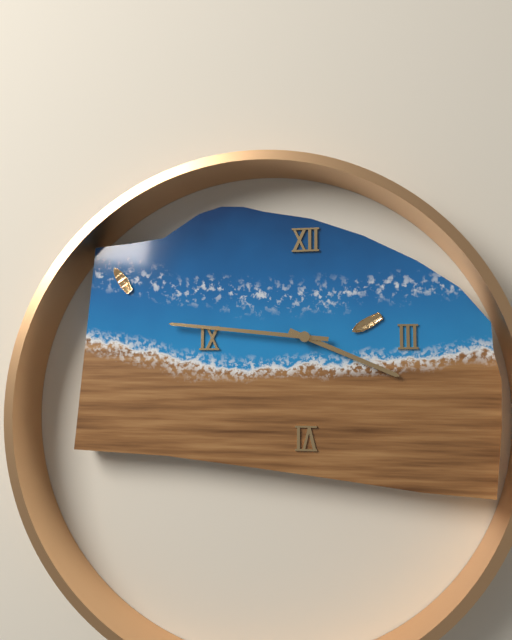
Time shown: {"hour": 3, "minute": 46}
